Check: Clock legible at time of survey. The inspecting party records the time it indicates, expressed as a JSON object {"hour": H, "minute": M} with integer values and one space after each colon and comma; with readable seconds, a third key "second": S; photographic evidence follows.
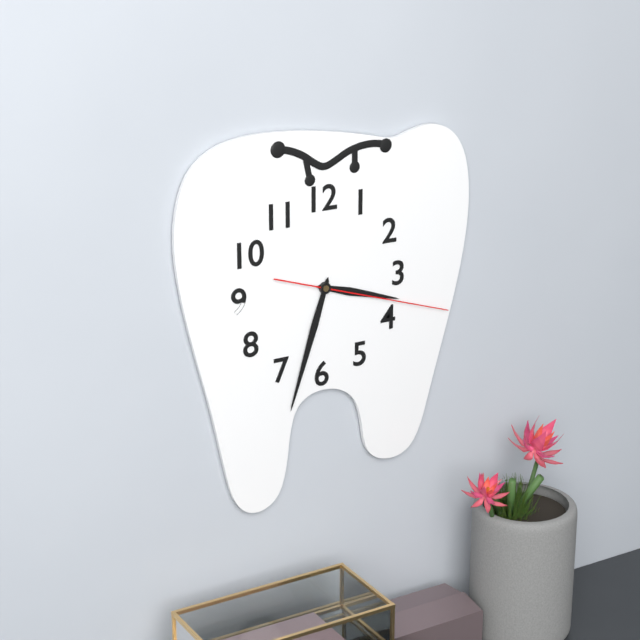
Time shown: {"hour": 3, "minute": 33, "second": 18}
